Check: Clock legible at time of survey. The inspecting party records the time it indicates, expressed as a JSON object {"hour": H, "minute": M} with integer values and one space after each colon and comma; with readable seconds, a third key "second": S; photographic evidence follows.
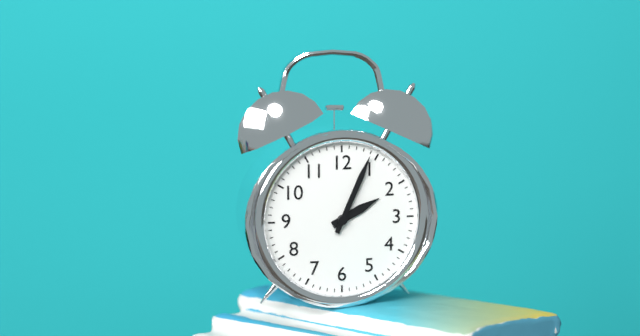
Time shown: {"hour": 2, "minute": 4}
